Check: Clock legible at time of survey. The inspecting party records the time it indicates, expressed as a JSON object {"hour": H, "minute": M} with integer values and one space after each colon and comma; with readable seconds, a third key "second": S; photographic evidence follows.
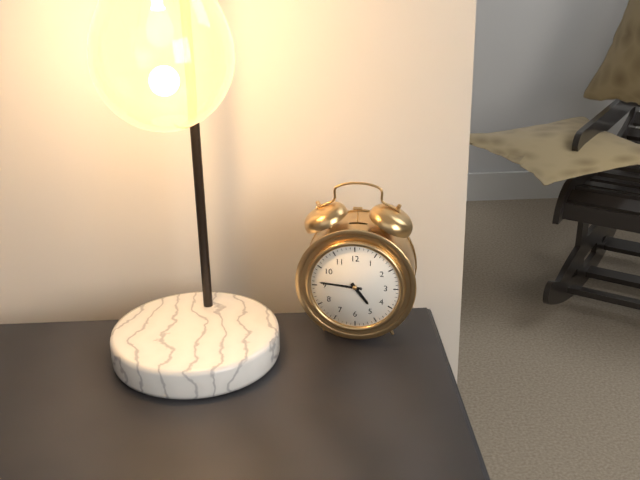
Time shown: {"hour": 4, "minute": 46}
